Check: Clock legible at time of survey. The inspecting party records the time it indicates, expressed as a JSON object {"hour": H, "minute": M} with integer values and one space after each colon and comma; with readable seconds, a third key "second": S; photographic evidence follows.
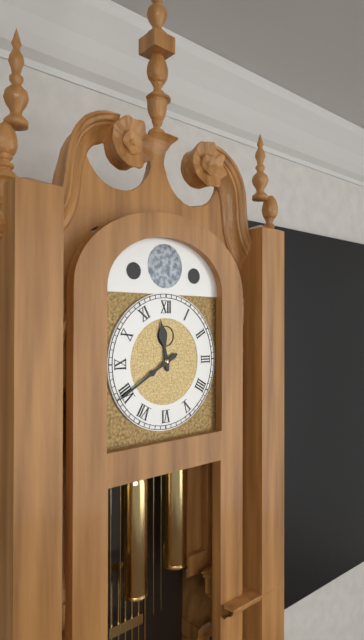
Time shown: {"hour": 11, "minute": 40}
